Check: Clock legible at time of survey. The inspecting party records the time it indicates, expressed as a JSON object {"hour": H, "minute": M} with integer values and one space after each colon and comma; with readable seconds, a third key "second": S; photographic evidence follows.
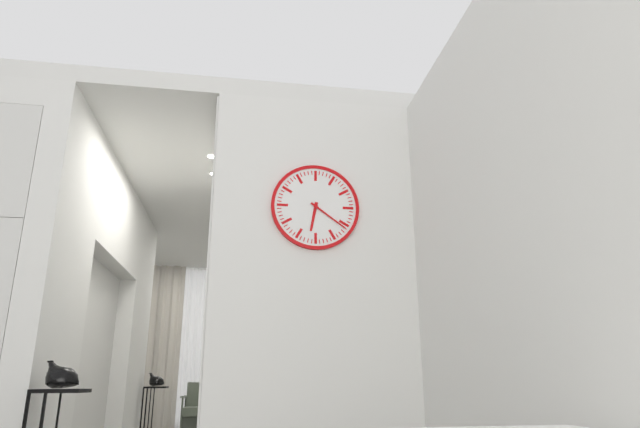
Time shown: {"hour": 6, "minute": 21}
